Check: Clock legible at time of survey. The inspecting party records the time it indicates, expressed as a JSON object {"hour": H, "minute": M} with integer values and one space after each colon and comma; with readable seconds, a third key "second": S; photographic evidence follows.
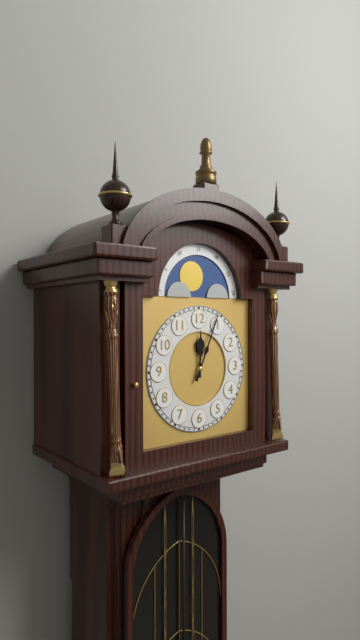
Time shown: {"hour": 12, "minute": 4}
